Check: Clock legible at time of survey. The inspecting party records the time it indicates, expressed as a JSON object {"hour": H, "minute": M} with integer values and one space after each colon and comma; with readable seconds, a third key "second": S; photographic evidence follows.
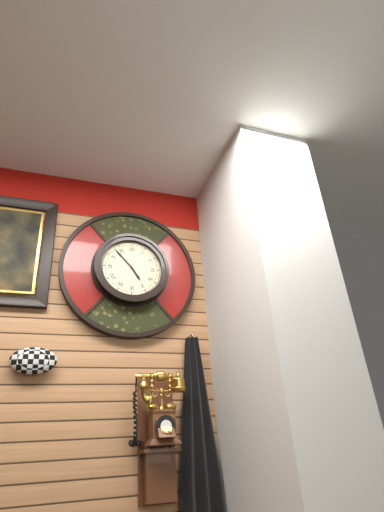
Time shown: {"hour": 4, "minute": 53}
